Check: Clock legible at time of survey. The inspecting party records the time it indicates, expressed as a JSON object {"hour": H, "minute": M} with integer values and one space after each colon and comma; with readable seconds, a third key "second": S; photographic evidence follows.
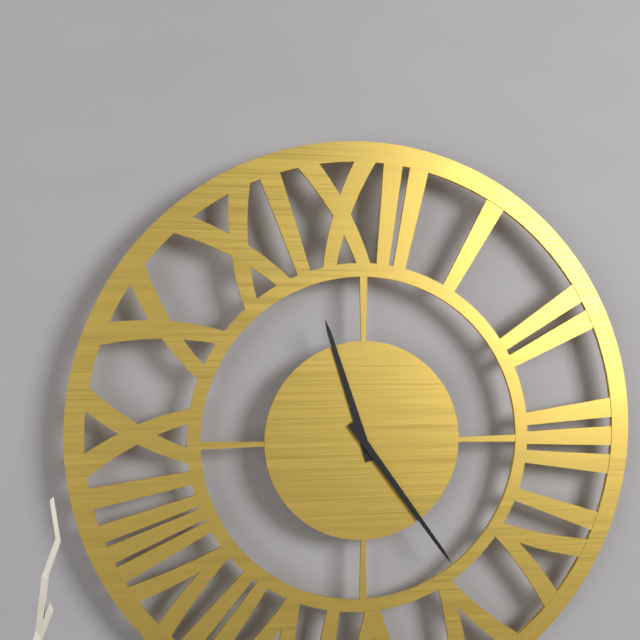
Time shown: {"hour": 11, "minute": 24}
